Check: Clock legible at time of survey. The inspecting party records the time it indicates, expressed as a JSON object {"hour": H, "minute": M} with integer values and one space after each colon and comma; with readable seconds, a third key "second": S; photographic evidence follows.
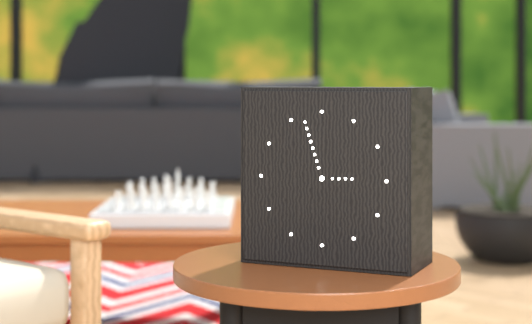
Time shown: {"hour": 2, "minute": 57}
